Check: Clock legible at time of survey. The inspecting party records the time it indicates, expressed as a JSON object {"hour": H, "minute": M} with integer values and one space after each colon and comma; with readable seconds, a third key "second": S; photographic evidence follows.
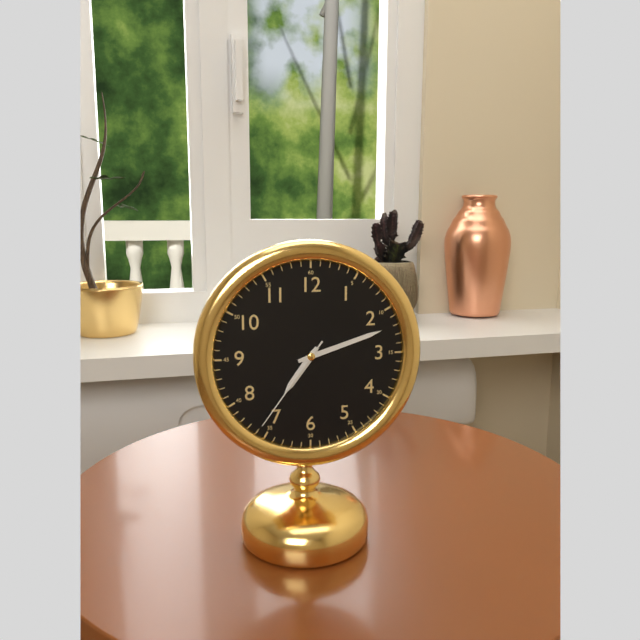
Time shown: {"hour": 7, "minute": 12, "second": 36}
